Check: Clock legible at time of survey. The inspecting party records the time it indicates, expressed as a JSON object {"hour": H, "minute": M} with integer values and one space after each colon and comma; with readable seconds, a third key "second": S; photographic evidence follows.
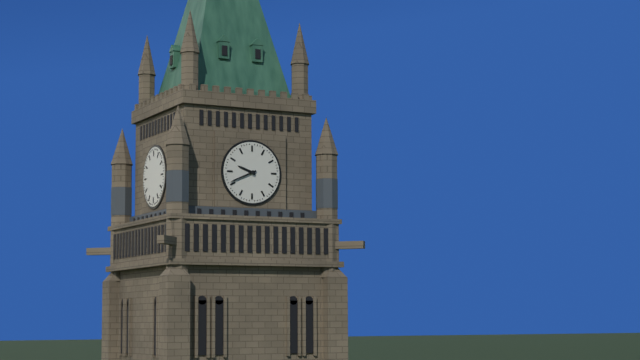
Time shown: {"hour": 9, "minute": 41}
